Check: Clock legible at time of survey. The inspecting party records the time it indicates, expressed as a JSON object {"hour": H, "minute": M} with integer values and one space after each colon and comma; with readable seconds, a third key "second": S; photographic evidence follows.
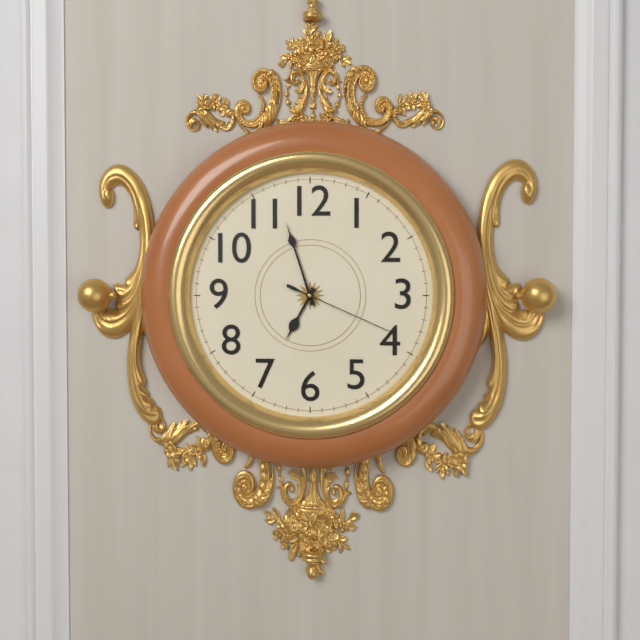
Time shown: {"hour": 6, "minute": 57, "second": 19}
